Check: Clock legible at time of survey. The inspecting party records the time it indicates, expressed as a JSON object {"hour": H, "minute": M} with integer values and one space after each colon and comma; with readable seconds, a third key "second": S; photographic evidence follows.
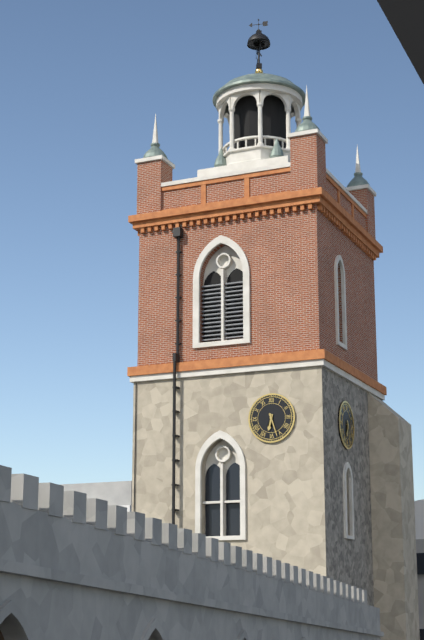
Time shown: {"hour": 6, "minute": 27}
